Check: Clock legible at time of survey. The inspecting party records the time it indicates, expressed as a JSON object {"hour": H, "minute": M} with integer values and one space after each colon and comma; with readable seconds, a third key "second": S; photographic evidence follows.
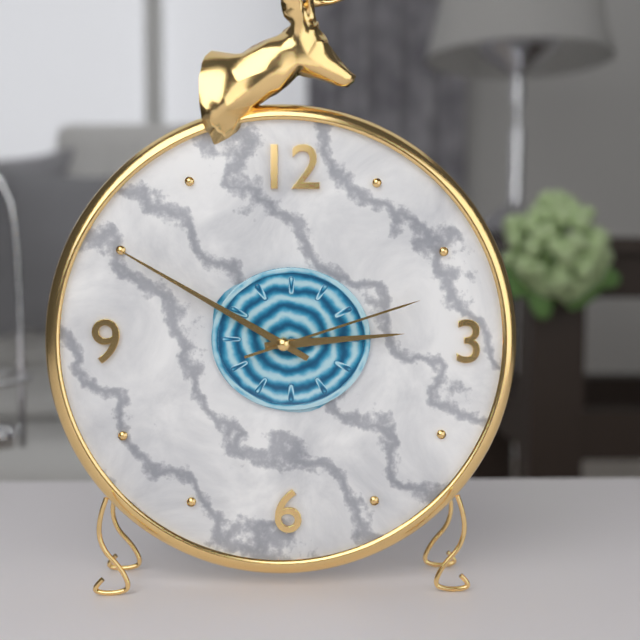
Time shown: {"hour": 2, "minute": 50, "second": 12}
